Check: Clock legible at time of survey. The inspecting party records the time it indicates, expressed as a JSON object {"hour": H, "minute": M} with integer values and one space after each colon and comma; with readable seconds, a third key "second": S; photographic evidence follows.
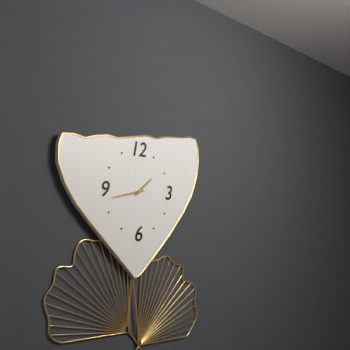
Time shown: {"hour": 1, "minute": 43}
